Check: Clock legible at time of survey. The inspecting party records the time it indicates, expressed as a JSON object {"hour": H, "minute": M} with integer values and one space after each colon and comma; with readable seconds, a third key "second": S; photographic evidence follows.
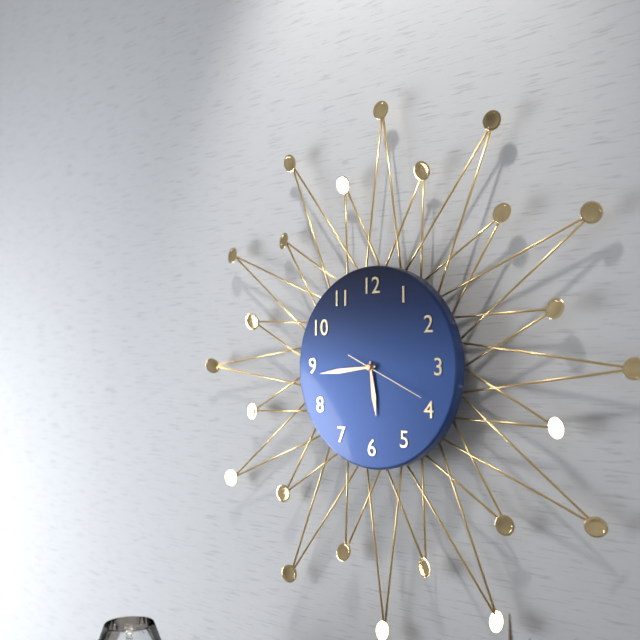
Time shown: {"hour": 5, "minute": 44, "second": 19}
